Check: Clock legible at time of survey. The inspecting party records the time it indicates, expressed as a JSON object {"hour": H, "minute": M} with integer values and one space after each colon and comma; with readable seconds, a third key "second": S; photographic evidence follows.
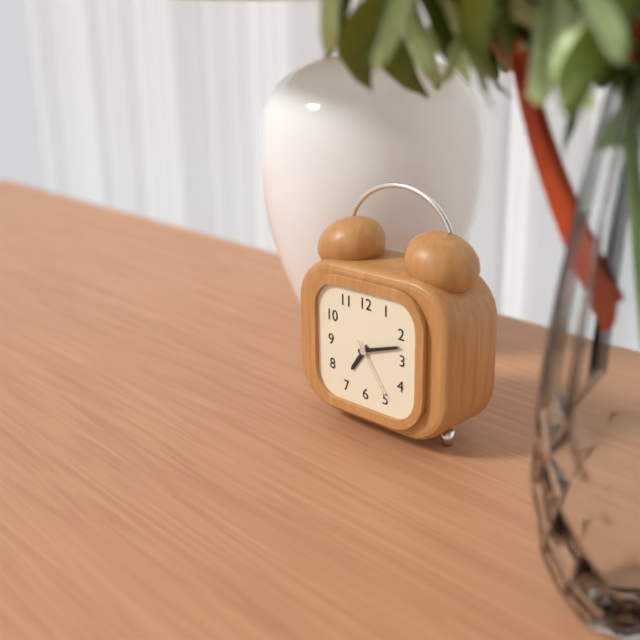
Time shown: {"hour": 7, "minute": 12, "second": 24}
